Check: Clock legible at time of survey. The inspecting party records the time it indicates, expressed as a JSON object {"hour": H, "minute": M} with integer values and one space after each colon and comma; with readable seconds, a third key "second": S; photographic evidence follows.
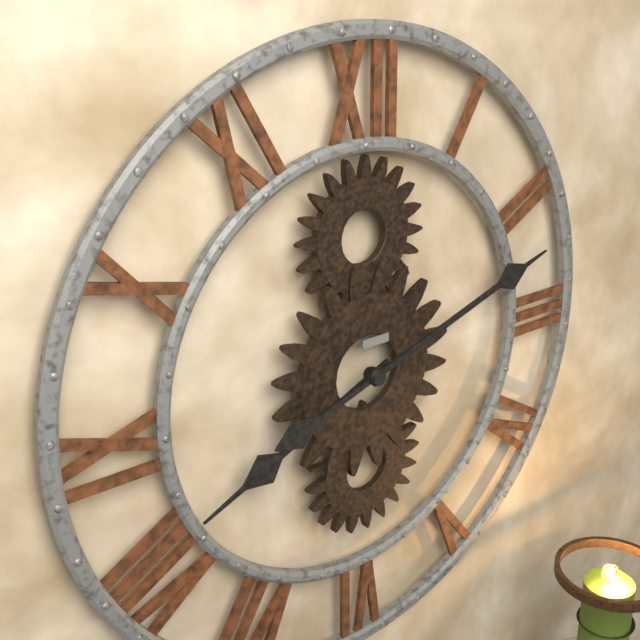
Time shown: {"hour": 8, "minute": 12}
